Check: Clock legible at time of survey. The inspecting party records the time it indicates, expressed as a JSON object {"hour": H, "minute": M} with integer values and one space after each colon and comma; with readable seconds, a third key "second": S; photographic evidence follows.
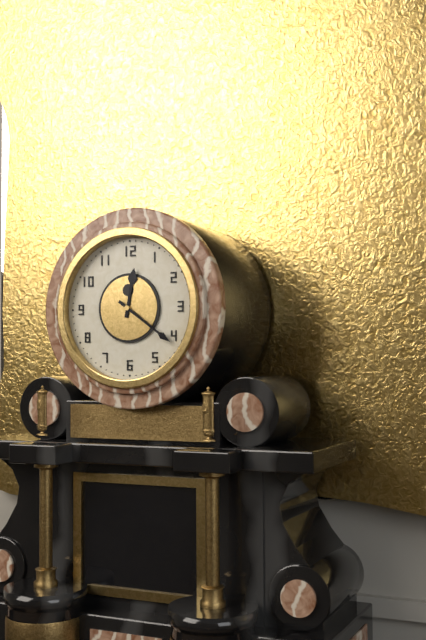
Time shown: {"hour": 12, "minute": 21}
